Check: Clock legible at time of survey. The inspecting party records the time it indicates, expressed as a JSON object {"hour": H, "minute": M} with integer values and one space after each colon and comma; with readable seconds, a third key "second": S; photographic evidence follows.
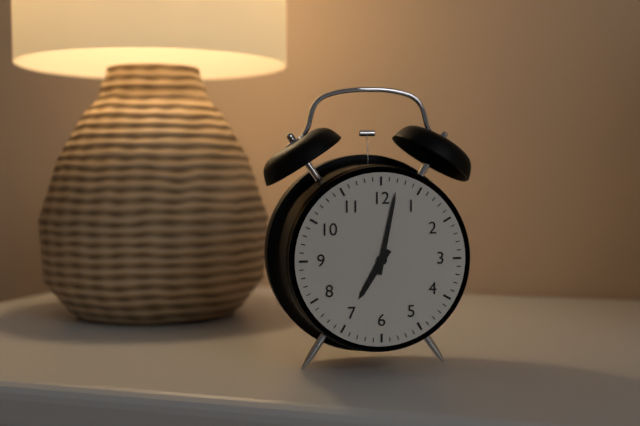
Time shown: {"hour": 7, "minute": 2}
